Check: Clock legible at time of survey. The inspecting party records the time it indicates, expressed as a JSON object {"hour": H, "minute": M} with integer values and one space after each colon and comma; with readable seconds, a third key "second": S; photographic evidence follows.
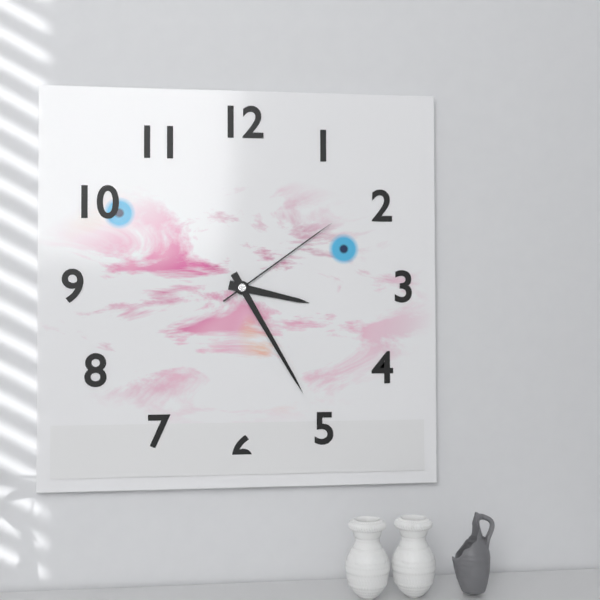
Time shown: {"hour": 3, "minute": 25, "second": 9}
